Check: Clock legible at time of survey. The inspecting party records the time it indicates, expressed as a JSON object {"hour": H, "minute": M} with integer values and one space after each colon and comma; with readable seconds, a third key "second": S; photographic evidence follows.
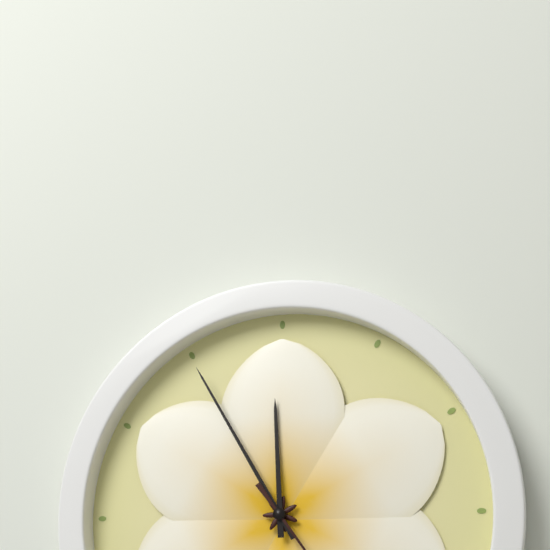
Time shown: {"hour": 11, "minute": 55}
